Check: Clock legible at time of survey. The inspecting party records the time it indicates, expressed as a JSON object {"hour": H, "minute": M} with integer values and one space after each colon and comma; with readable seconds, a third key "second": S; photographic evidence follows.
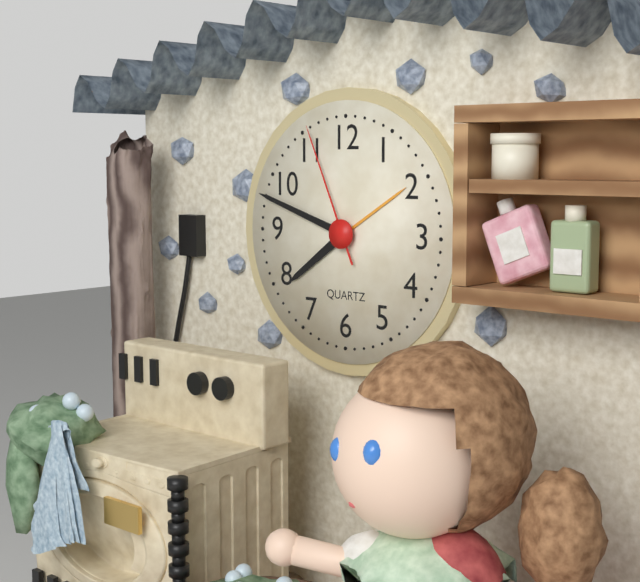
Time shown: {"hour": 7, "minute": 48, "second": 56}
